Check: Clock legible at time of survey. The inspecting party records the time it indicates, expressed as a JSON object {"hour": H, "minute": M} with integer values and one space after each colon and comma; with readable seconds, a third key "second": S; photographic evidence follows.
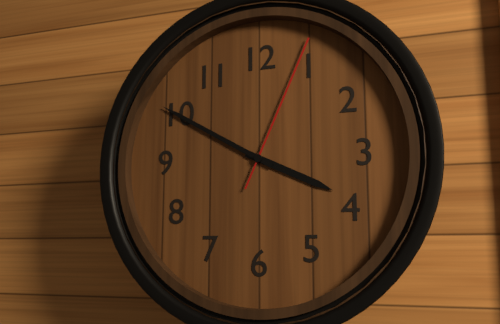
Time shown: {"hour": 3, "minute": 50, "second": 4}
